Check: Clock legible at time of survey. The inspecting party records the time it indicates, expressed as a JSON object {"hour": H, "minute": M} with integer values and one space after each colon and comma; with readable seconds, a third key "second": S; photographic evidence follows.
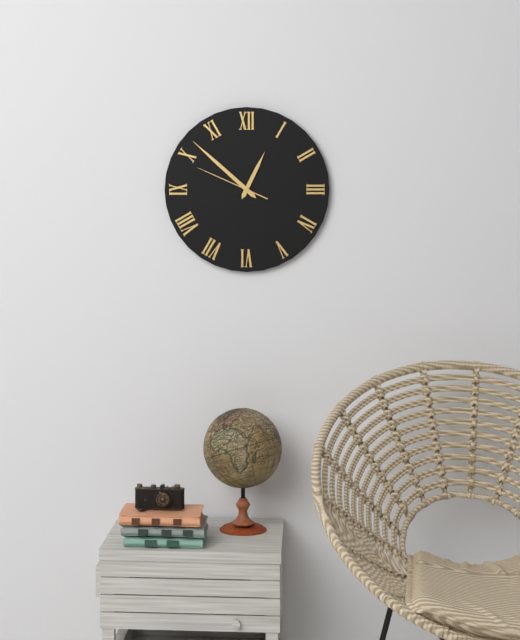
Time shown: {"hour": 12, "minute": 52, "second": 49}
